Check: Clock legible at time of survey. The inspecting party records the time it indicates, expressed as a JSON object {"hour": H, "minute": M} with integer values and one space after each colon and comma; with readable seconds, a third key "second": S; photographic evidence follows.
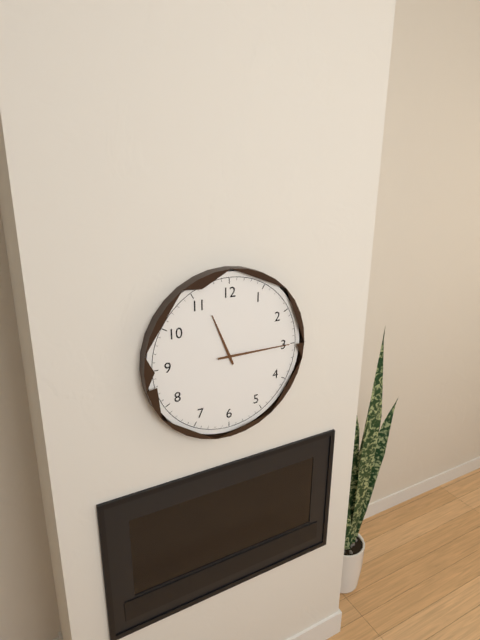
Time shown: {"hour": 11, "minute": 15}
